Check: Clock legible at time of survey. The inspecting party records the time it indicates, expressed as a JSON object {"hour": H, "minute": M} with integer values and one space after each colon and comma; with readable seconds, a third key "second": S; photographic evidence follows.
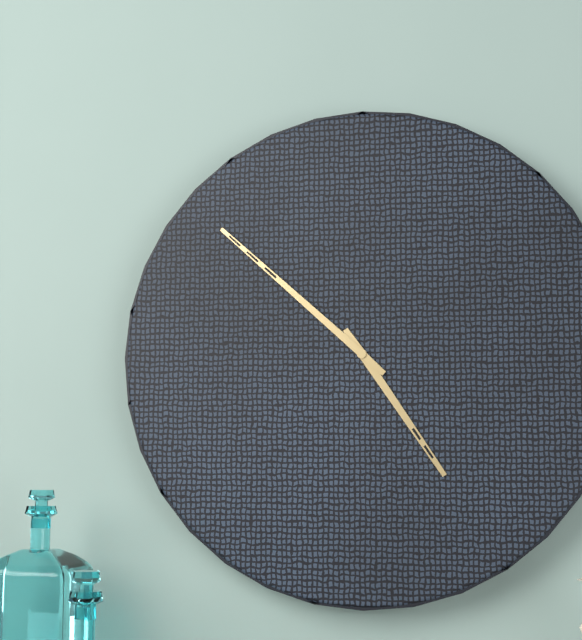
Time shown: {"hour": 4, "minute": 52}
